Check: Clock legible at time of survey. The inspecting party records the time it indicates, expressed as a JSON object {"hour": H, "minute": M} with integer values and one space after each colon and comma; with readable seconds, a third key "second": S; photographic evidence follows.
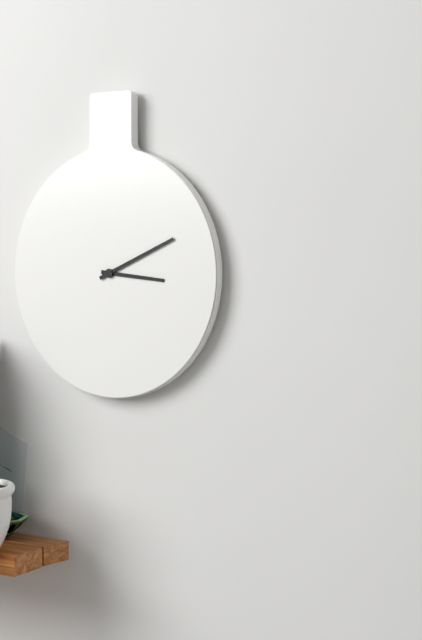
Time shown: {"hour": 3, "minute": 11}
